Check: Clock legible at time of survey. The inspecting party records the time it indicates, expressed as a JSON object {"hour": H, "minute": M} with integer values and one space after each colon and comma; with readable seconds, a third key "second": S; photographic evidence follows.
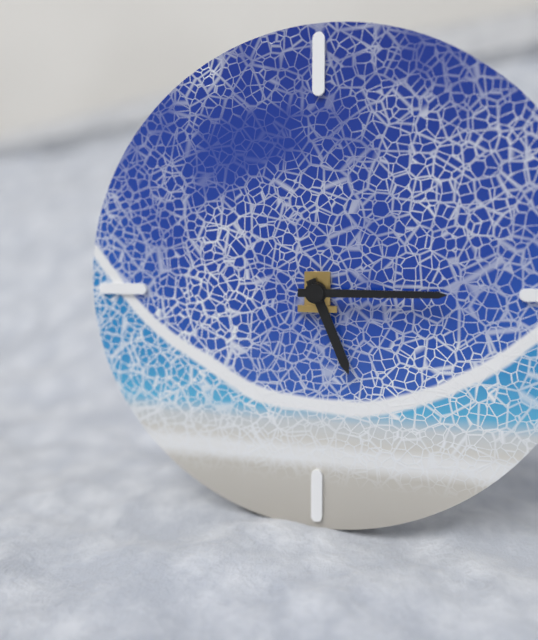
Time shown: {"hour": 5, "minute": 15}
